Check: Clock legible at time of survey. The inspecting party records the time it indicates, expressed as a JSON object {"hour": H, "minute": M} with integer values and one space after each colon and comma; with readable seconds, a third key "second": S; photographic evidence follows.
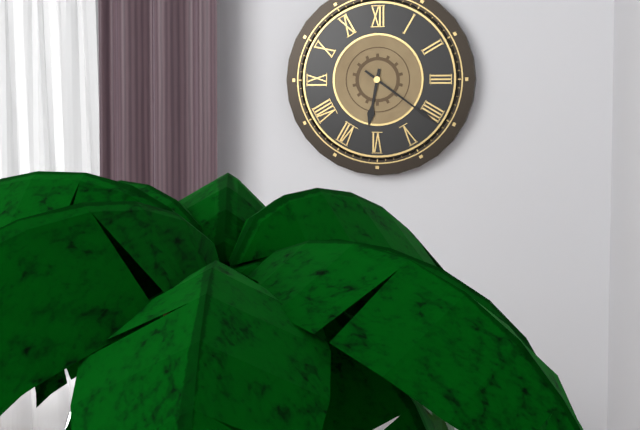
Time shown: {"hour": 6, "minute": 21}
